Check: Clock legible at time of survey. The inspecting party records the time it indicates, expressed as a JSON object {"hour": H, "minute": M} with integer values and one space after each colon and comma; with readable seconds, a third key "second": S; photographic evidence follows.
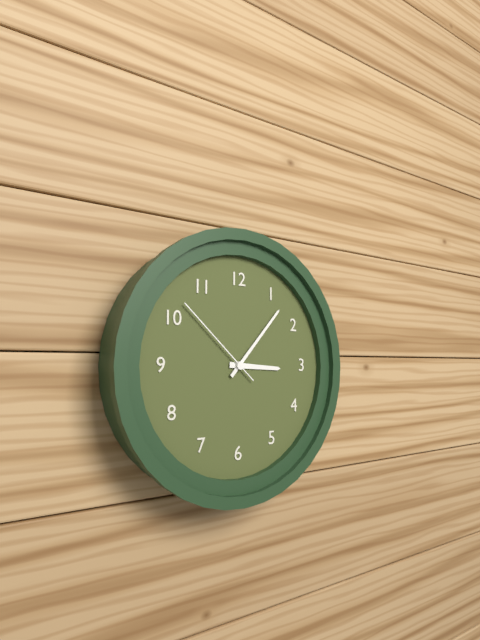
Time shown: {"hour": 3, "minute": 7, "second": 52}
